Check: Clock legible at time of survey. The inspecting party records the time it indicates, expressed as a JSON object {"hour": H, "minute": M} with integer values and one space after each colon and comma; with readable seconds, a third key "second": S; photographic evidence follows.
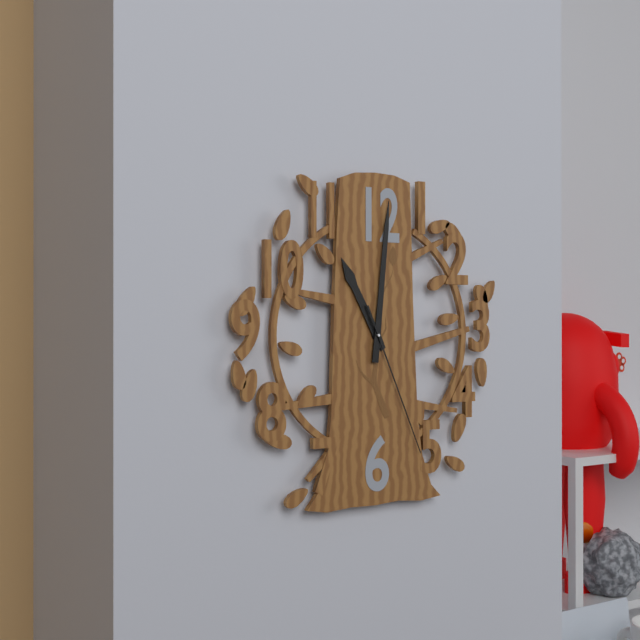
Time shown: {"hour": 11, "minute": 1, "second": 26}
